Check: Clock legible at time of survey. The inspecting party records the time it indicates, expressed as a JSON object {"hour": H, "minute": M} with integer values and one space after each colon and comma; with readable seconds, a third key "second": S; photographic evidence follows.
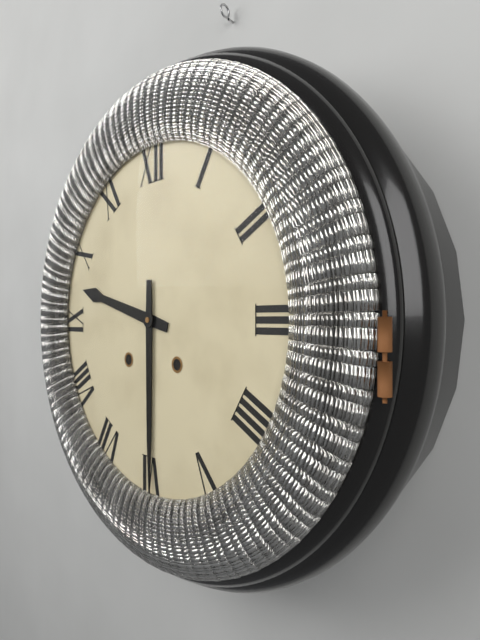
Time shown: {"hour": 9, "minute": 30}
